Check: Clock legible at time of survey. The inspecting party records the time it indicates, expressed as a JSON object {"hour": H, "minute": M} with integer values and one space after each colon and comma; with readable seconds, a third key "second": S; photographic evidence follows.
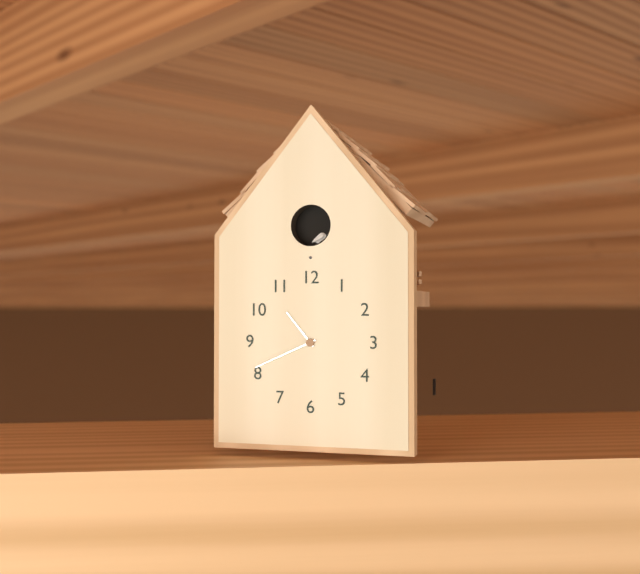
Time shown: {"hour": 10, "minute": 41}
